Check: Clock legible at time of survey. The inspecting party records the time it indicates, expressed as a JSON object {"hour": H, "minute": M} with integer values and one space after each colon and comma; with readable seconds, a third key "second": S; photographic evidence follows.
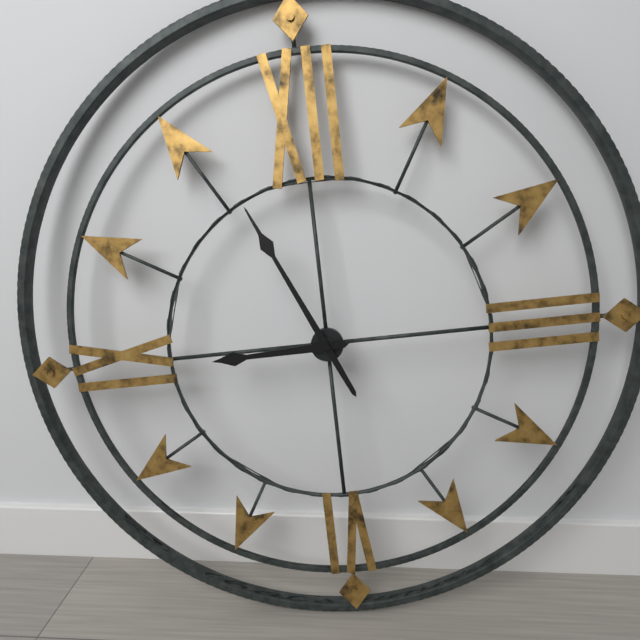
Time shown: {"hour": 8, "minute": 56}
